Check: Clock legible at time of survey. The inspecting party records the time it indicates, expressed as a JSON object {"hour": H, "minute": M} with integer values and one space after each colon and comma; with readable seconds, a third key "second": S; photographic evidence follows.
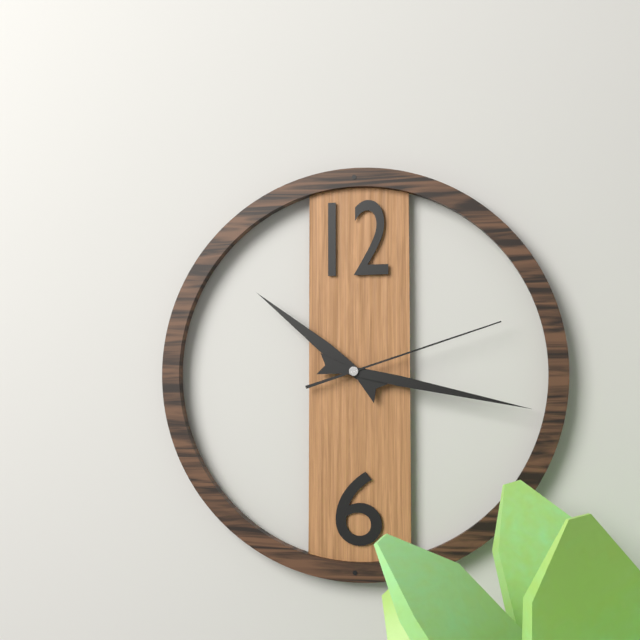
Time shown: {"hour": 10, "minute": 17, "second": 12}
